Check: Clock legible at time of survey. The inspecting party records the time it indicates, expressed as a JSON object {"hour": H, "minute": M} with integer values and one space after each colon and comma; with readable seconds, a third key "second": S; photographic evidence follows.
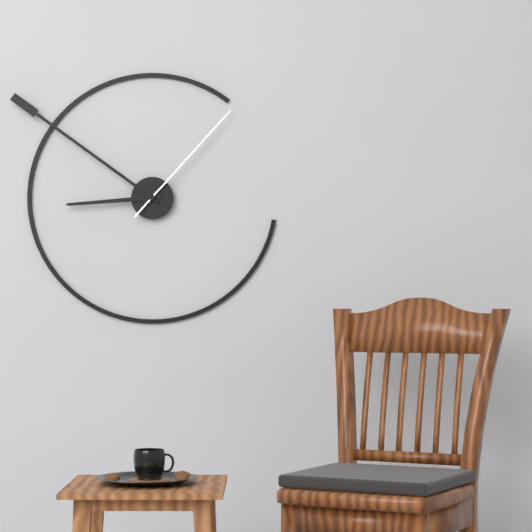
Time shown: {"hour": 8, "minute": 51, "second": 7}
